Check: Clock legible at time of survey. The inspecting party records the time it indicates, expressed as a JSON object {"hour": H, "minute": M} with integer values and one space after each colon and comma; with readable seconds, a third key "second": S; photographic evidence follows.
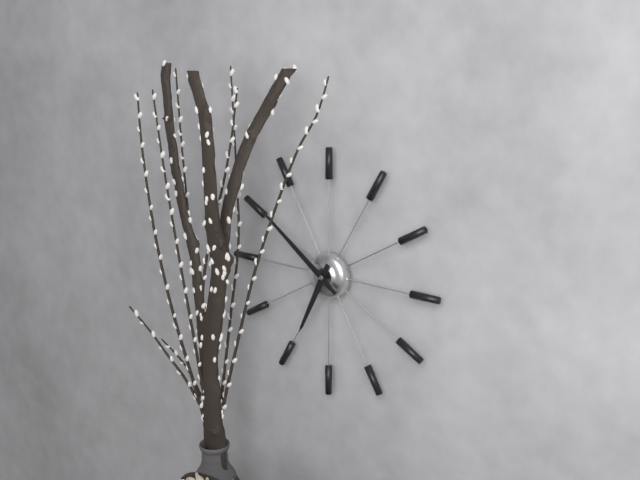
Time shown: {"hour": 6, "minute": 51}
